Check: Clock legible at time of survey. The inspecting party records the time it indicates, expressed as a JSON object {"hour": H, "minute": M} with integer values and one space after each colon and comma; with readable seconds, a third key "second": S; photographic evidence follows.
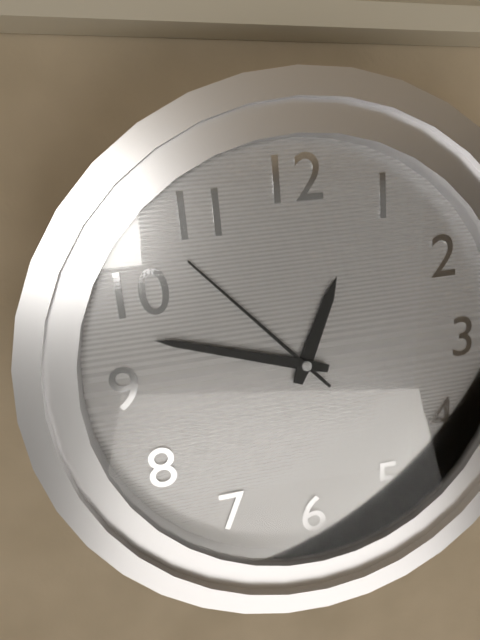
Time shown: {"hour": 12, "minute": 48, "second": 53}
